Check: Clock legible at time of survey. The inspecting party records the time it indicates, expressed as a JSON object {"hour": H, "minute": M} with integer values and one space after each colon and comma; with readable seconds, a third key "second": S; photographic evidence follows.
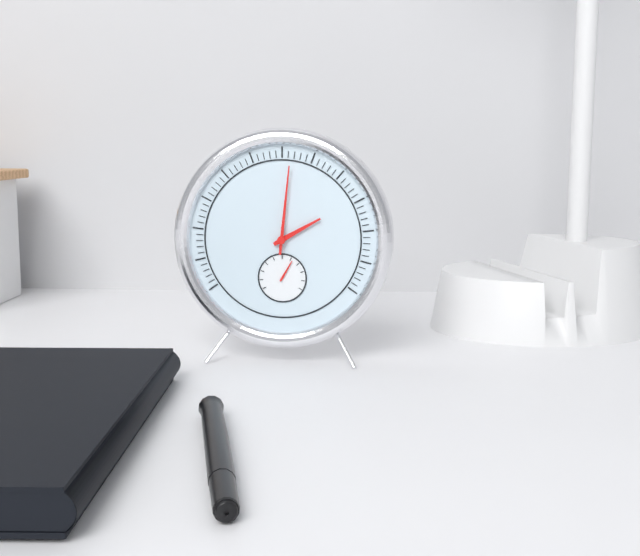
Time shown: {"hour": 2, "minute": 1}
